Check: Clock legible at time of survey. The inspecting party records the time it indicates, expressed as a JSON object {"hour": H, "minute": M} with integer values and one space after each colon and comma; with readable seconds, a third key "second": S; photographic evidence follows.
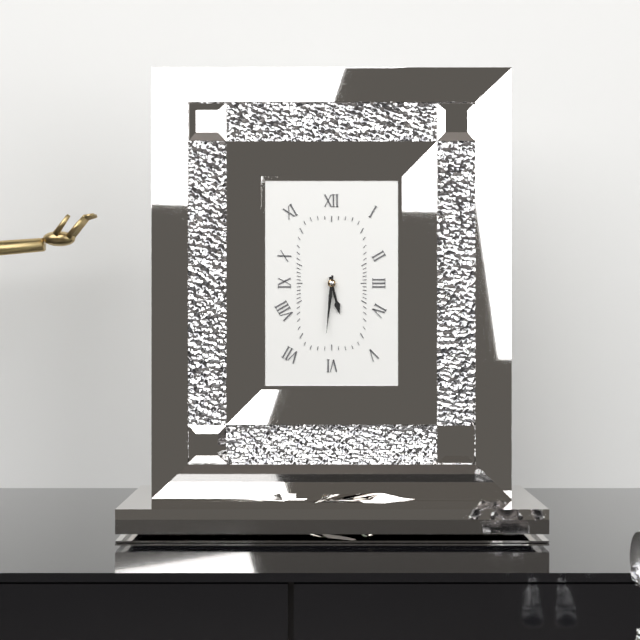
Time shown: {"hour": 5, "minute": 31}
